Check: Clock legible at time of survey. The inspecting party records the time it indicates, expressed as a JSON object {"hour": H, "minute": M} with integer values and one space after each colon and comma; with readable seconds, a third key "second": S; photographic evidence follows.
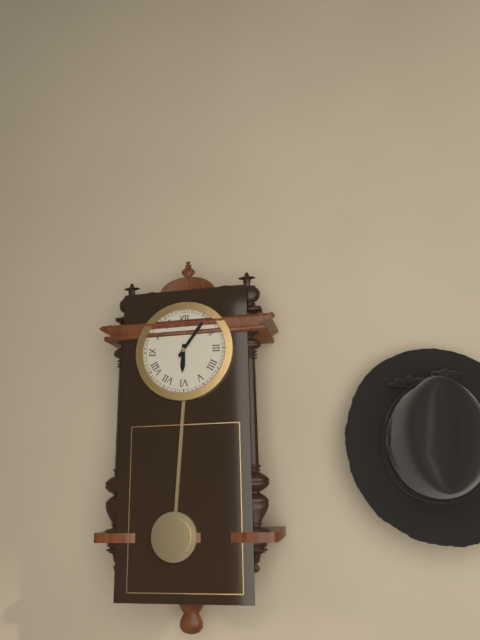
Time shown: {"hour": 6, "minute": 6}
